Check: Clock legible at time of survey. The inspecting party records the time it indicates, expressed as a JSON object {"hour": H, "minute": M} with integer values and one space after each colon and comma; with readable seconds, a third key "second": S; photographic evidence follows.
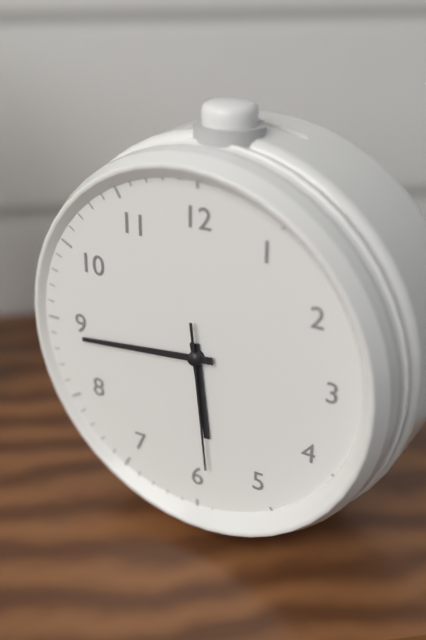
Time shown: {"hour": 5, "minute": 44, "second": 29}
